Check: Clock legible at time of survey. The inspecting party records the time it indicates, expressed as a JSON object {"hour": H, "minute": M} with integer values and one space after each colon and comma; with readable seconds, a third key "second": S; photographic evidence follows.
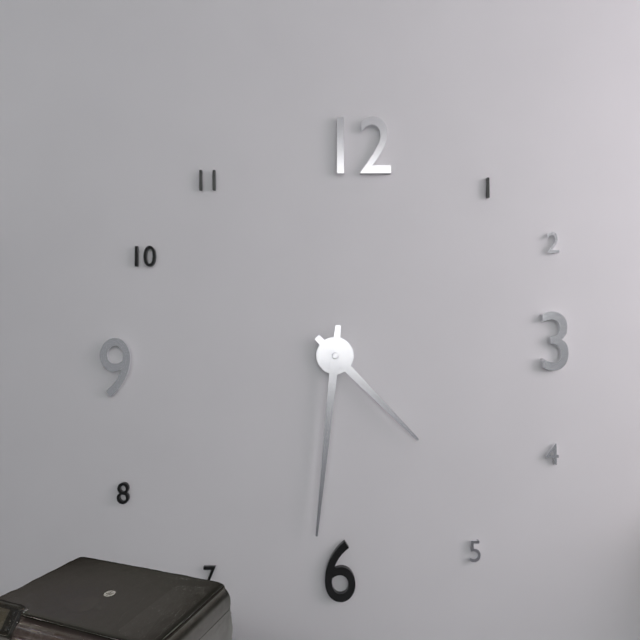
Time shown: {"hour": 4, "minute": 31}
